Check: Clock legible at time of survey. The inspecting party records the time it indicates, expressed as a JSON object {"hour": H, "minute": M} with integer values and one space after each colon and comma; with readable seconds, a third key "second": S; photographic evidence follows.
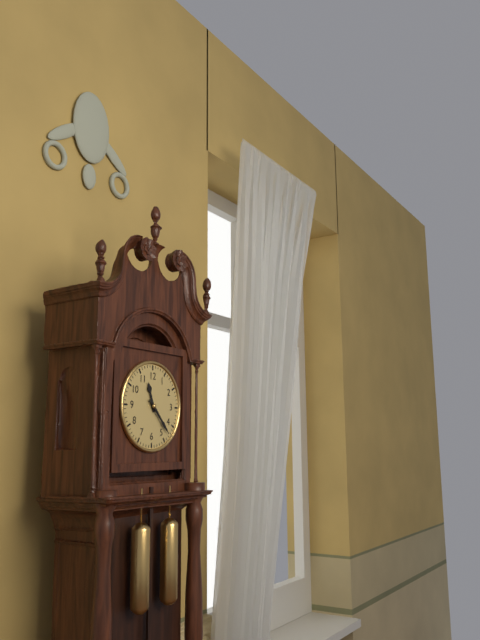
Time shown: {"hour": 11, "minute": 23}
